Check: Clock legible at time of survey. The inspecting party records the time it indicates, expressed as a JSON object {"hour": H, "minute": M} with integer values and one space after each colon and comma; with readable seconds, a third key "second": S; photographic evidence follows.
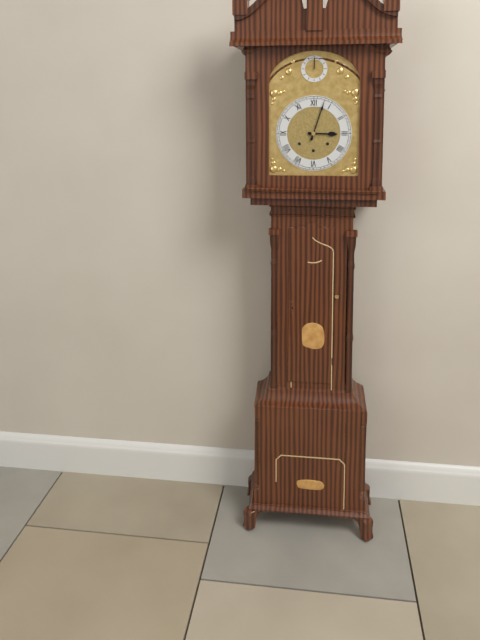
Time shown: {"hour": 3, "minute": 3}
